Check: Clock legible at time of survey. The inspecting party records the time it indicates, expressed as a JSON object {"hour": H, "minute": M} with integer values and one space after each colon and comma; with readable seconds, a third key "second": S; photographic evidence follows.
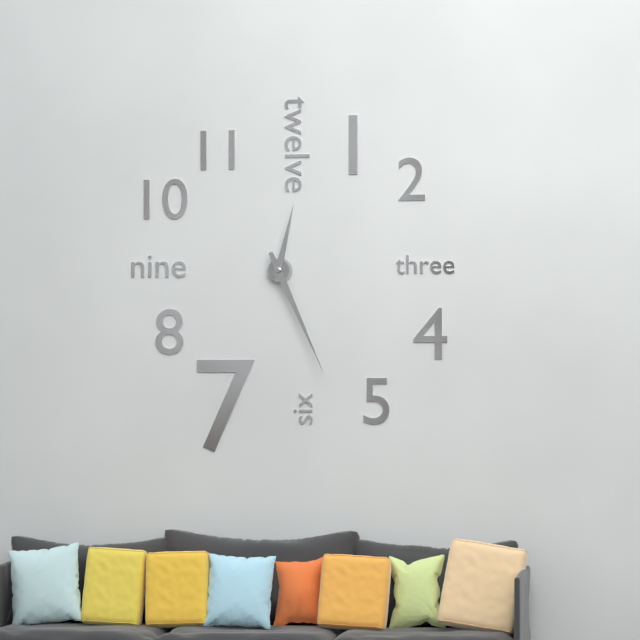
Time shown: {"hour": 12, "minute": 26}
